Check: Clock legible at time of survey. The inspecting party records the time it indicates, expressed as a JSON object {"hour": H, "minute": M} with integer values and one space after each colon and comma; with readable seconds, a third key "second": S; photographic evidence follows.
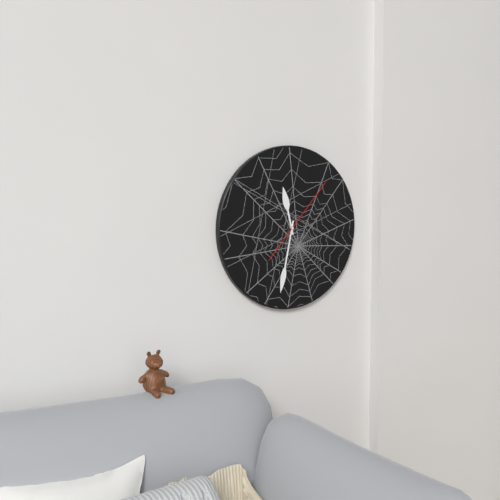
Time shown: {"hour": 11, "minute": 32, "second": 7}
